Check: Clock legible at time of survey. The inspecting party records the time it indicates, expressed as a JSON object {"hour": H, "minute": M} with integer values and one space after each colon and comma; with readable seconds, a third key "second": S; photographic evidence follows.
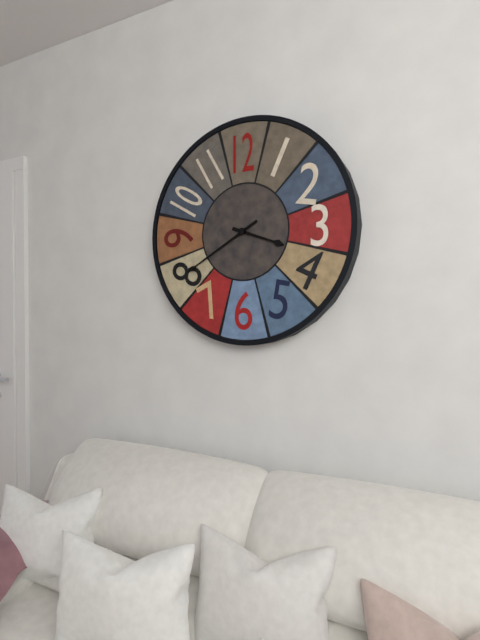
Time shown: {"hour": 3, "minute": 40}
